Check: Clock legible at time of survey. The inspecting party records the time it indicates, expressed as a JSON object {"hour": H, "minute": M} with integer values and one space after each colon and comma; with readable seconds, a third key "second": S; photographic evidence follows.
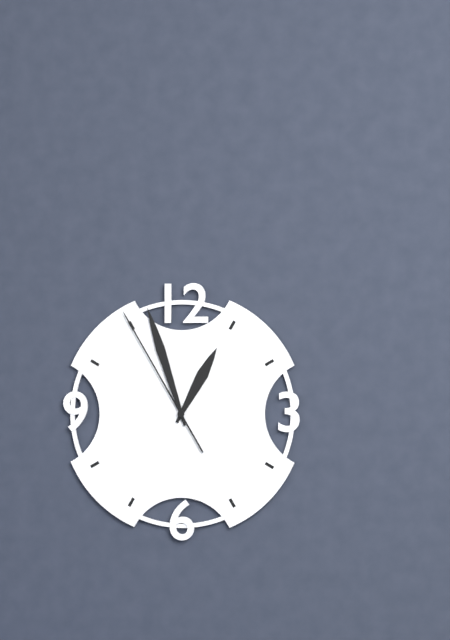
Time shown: {"hour": 12, "minute": 57, "second": 55}
